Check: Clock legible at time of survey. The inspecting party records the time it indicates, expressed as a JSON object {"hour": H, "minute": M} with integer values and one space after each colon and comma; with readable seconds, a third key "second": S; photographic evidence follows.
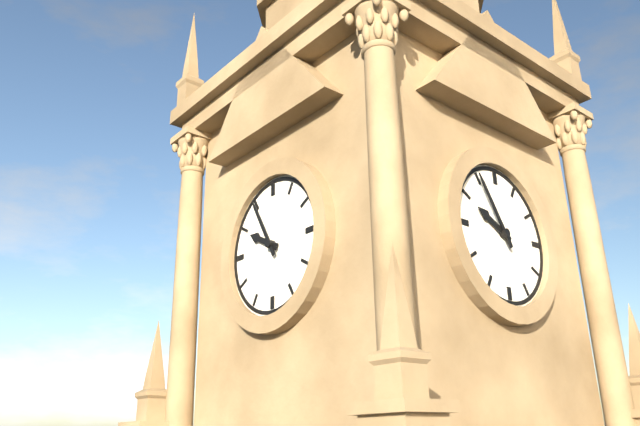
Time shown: {"hour": 9, "minute": 55}
